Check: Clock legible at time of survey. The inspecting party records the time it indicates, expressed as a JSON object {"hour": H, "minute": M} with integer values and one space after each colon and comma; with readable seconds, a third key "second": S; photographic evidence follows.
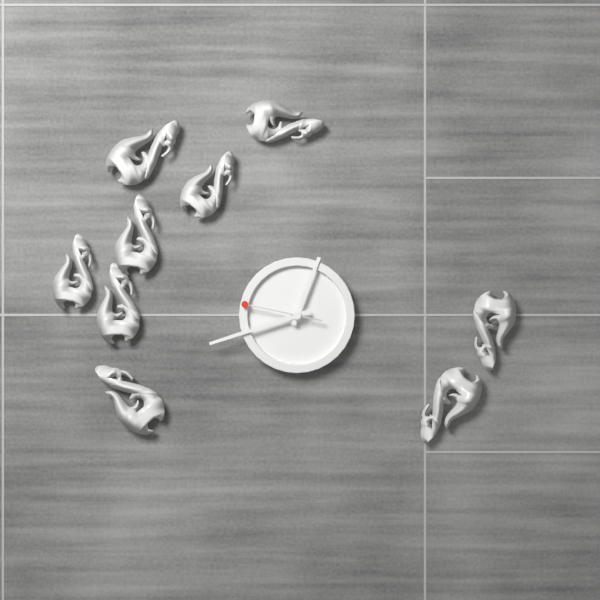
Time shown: {"hour": 12, "minute": 42, "second": 47}
